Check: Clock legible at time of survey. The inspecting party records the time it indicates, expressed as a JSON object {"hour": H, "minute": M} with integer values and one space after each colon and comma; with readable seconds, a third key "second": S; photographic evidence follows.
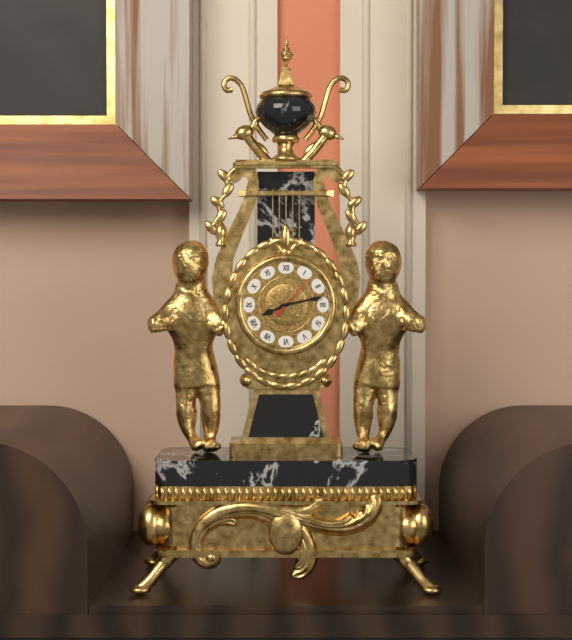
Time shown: {"hour": 8, "minute": 13}
